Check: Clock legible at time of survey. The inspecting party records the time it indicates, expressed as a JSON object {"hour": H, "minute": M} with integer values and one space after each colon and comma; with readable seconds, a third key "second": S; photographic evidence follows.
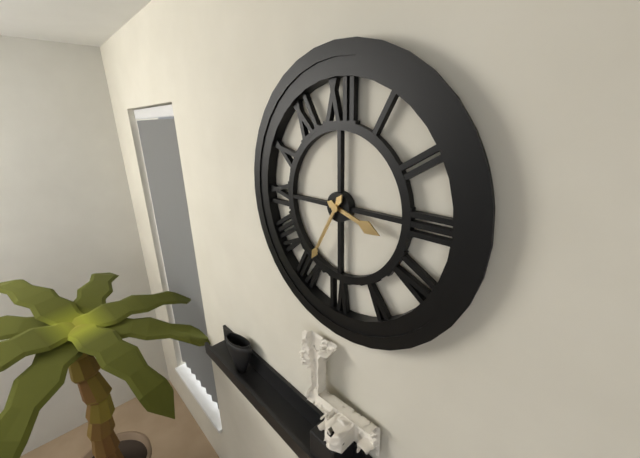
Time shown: {"hour": 3, "minute": 35}
